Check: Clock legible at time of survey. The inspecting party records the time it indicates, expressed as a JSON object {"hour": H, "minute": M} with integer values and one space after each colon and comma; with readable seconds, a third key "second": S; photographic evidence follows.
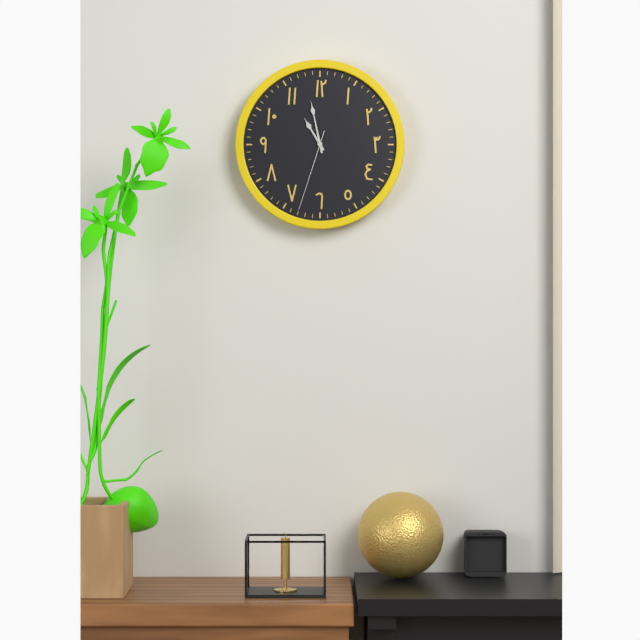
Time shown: {"hour": 10, "minute": 58, "second": 33}
